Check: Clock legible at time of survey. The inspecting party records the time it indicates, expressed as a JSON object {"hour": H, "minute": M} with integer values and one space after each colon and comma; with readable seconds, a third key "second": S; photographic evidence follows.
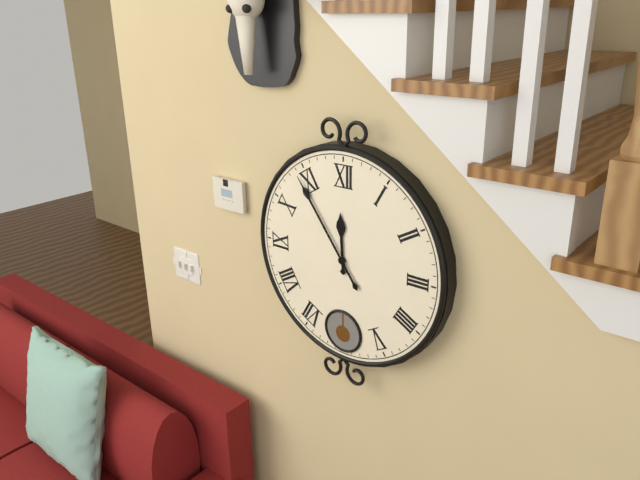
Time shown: {"hour": 11, "minute": 54}
